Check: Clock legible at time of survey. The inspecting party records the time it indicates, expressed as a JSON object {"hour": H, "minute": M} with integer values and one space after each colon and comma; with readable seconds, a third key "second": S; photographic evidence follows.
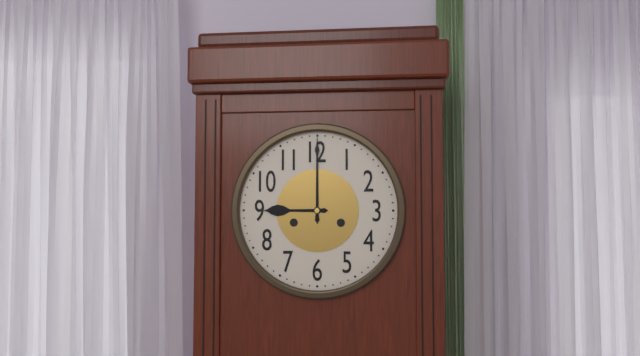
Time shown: {"hour": 9, "minute": 0}
